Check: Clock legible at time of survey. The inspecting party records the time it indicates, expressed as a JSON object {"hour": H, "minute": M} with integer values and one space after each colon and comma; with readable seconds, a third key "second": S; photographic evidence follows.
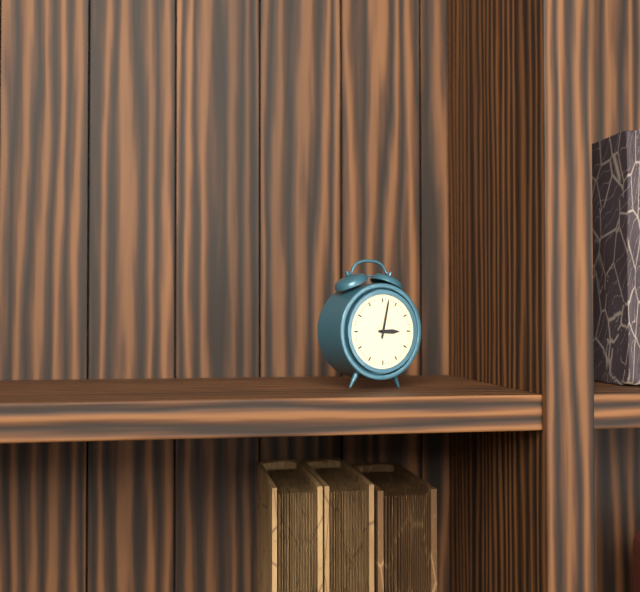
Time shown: {"hour": 3, "minute": 2}
